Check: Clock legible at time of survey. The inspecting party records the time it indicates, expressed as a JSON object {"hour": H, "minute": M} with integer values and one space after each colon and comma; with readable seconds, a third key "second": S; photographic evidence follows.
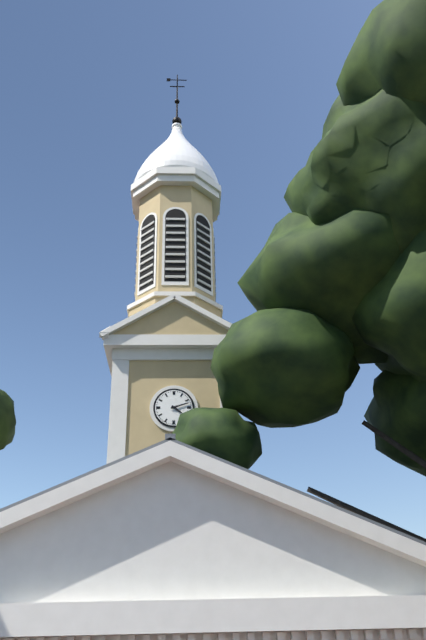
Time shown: {"hour": 4, "minute": 12}
